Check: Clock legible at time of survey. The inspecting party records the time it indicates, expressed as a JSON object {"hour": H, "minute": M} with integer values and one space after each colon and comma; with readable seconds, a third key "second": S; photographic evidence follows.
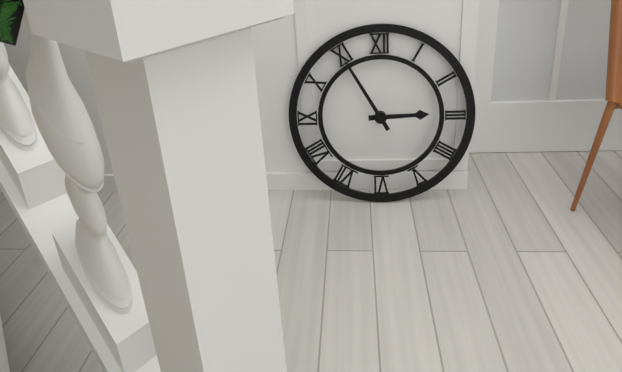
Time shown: {"hour": 2, "minute": 55}
